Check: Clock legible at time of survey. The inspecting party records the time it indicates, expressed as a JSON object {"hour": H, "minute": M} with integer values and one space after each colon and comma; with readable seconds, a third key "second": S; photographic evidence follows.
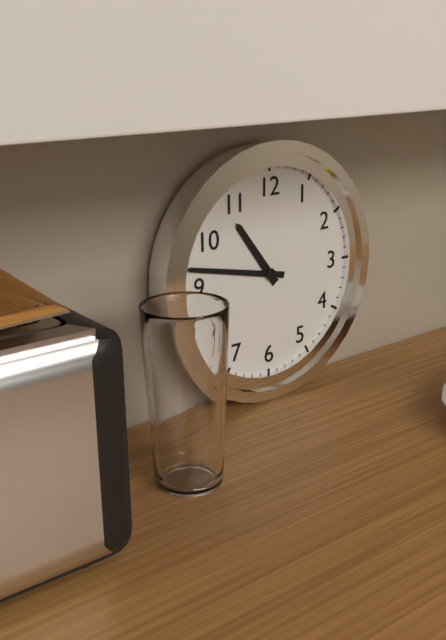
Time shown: {"hour": 10, "minute": 47}
